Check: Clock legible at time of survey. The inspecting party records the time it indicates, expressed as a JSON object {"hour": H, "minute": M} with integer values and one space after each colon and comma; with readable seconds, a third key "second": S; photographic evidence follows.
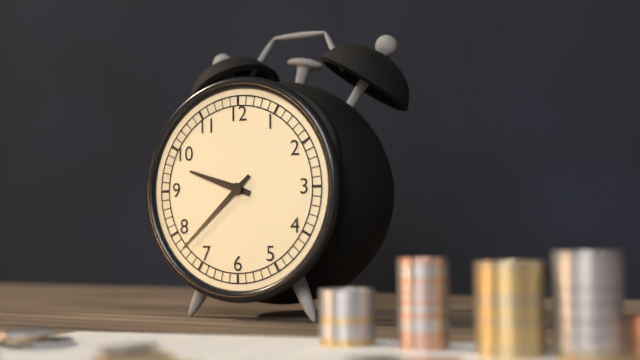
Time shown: {"hour": 9, "minute": 38}
